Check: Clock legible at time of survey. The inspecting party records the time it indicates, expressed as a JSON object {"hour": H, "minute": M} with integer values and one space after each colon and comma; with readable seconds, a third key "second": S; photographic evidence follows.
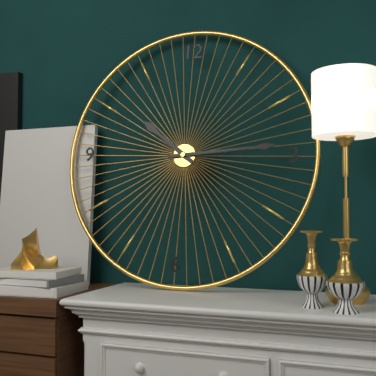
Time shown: {"hour": 10, "minute": 14}
